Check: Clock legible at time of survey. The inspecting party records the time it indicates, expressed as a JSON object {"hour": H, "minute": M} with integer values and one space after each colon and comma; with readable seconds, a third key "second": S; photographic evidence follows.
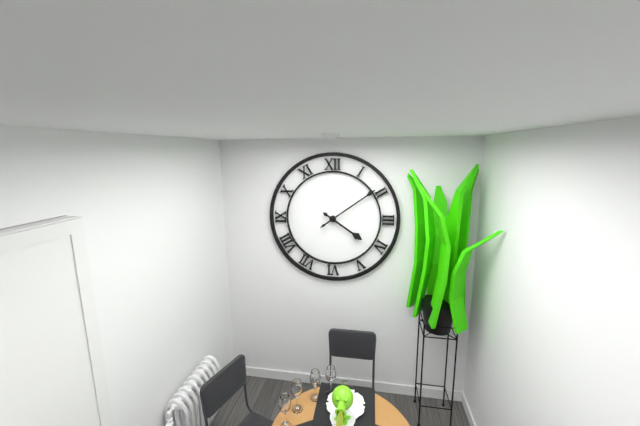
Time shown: {"hour": 4, "minute": 9}
